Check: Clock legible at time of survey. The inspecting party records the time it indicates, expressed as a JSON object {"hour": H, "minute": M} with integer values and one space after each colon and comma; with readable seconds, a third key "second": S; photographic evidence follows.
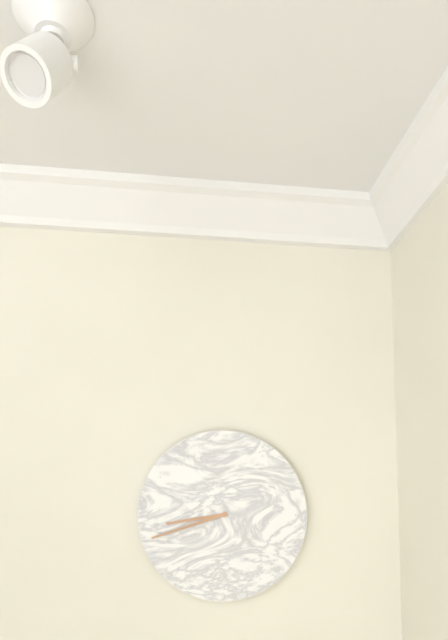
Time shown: {"hour": 8, "minute": 42}
